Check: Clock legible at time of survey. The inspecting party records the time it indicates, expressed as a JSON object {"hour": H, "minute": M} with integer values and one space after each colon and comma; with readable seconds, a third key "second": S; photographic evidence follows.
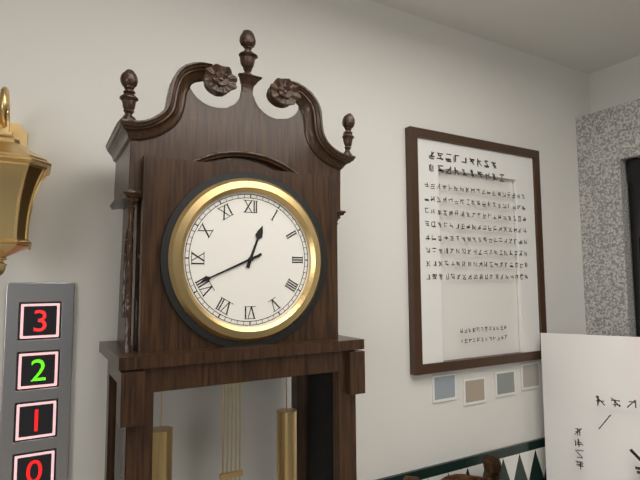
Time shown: {"hour": 12, "minute": 41}
